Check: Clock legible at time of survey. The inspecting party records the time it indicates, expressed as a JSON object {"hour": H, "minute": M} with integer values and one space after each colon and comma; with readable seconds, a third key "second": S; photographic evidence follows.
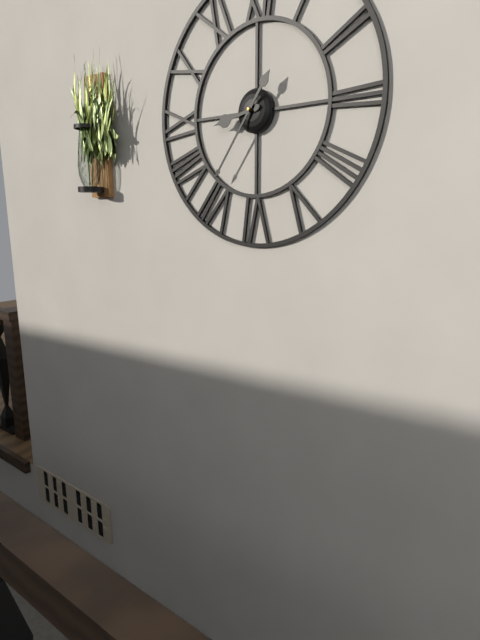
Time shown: {"hour": 8, "minute": 36}
